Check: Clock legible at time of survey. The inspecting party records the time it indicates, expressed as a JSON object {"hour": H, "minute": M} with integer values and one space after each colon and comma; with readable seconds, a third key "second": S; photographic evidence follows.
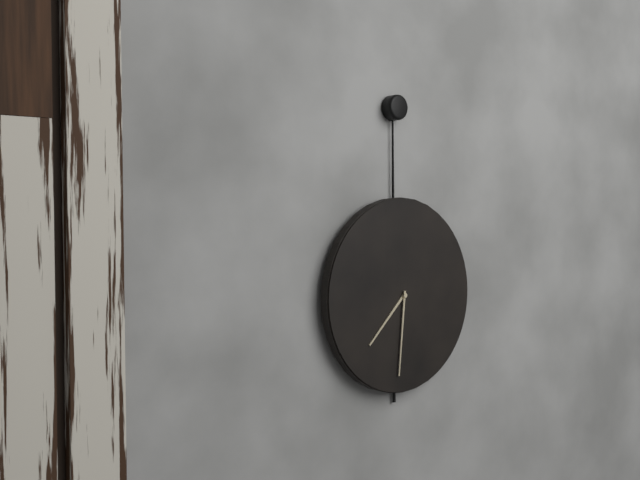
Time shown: {"hour": 7, "minute": 31}
